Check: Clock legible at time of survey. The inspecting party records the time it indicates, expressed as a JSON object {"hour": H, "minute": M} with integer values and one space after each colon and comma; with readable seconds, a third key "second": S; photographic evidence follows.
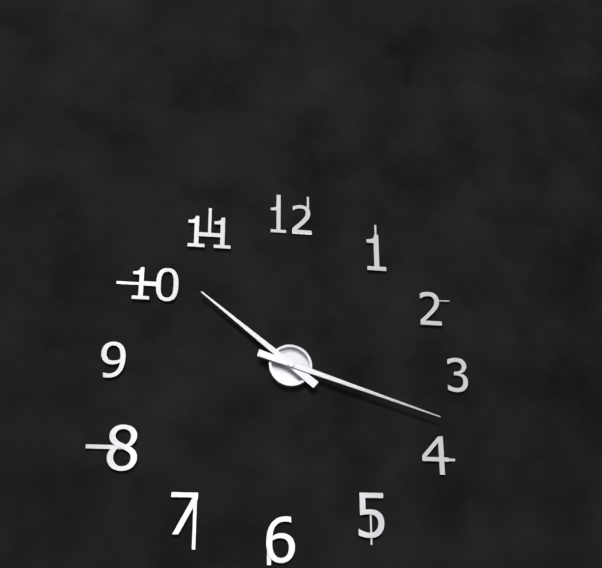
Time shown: {"hour": 10, "minute": 18}
